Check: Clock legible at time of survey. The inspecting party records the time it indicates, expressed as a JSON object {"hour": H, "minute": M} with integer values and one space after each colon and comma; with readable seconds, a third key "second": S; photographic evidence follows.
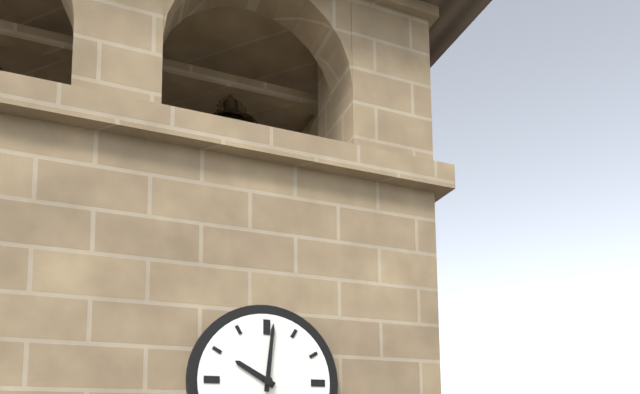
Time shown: {"hour": 10, "minute": 1}
